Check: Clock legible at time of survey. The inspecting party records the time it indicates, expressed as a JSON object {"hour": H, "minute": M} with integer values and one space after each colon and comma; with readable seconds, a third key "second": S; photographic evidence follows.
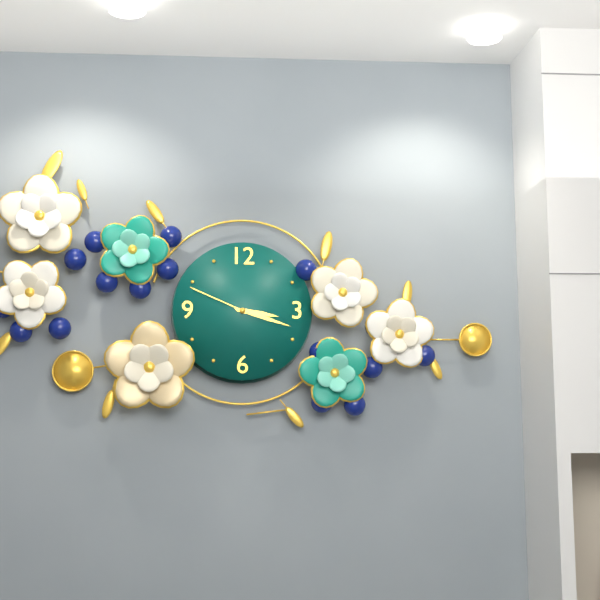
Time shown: {"hour": 3, "minute": 18, "second": 49}
